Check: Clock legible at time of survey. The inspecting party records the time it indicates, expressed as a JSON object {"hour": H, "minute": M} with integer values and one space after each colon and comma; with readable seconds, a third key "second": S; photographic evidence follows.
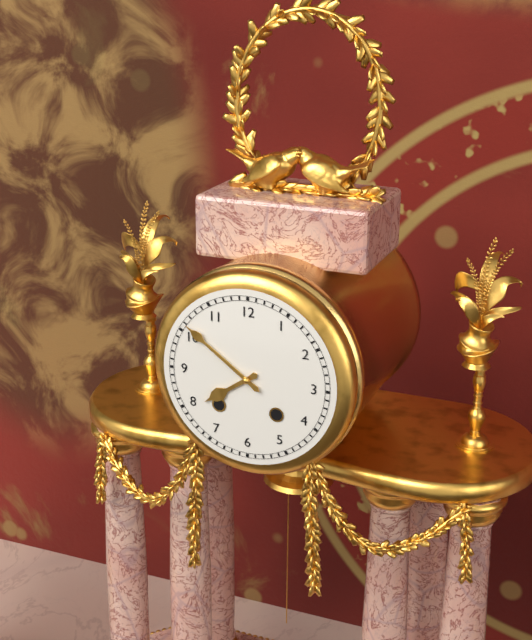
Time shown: {"hour": 7, "minute": 51}
